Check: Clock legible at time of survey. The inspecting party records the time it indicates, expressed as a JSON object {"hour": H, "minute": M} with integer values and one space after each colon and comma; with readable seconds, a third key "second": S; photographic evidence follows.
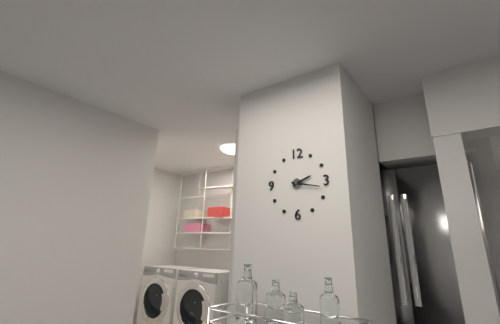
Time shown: {"hour": 2, "minute": 17}
